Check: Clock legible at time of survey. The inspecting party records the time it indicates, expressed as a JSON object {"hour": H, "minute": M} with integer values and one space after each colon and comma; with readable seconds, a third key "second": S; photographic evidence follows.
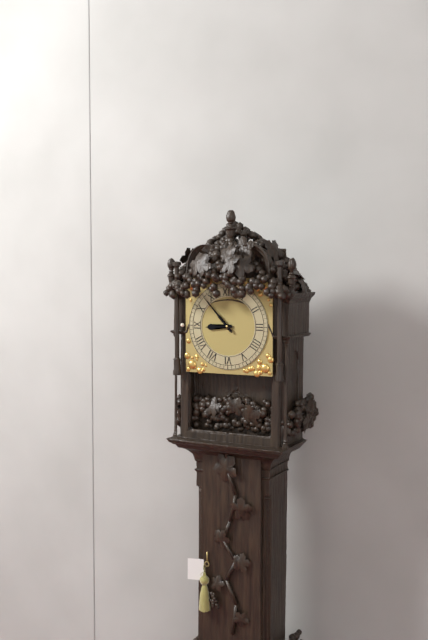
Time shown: {"hour": 8, "minute": 53}
